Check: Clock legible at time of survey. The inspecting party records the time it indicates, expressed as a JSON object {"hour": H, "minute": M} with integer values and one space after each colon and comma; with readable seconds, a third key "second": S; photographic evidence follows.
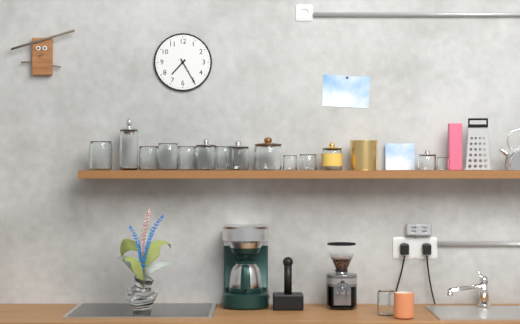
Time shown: {"hour": 7, "minute": 25}
